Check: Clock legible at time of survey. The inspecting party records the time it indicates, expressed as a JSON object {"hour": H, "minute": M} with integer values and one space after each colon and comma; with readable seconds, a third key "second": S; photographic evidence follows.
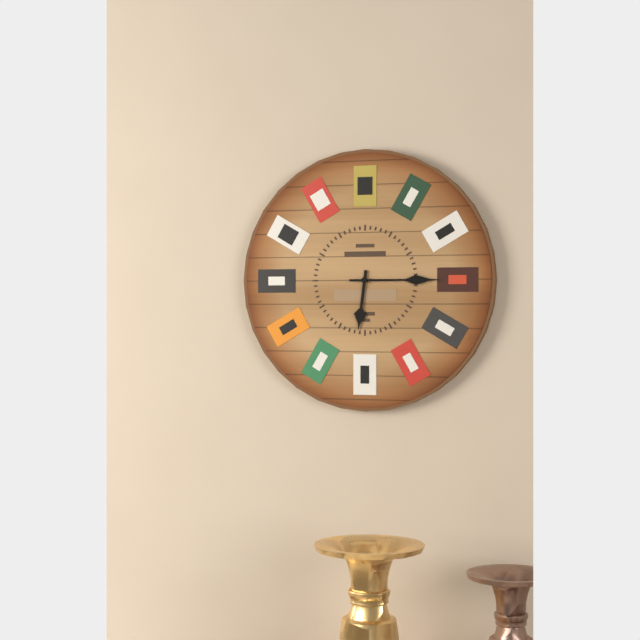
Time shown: {"hour": 6, "minute": 15}
